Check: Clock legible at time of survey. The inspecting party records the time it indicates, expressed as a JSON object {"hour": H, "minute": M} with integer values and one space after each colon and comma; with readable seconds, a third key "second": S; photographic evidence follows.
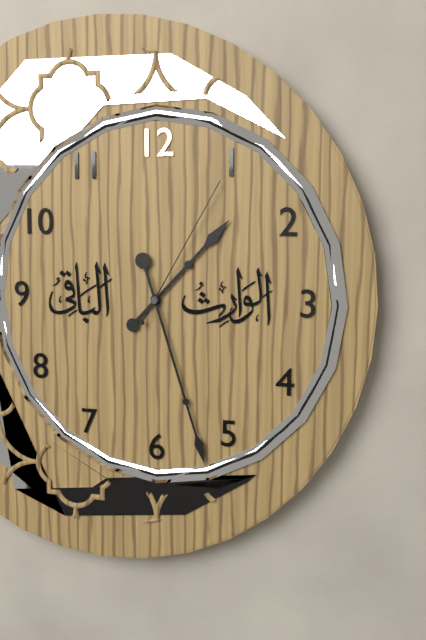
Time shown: {"hour": 1, "minute": 27, "second": 5}
